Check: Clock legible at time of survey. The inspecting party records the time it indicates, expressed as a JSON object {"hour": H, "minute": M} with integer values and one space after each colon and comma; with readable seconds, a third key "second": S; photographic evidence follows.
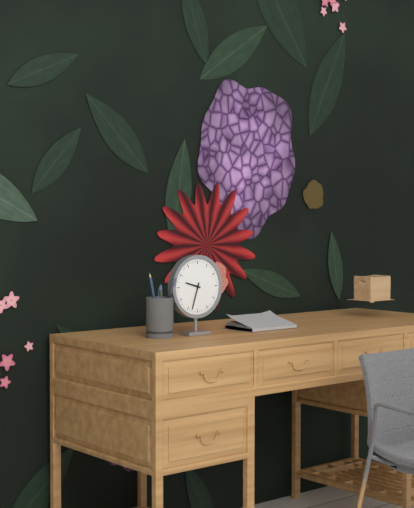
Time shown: {"hour": 9, "minute": 33}
